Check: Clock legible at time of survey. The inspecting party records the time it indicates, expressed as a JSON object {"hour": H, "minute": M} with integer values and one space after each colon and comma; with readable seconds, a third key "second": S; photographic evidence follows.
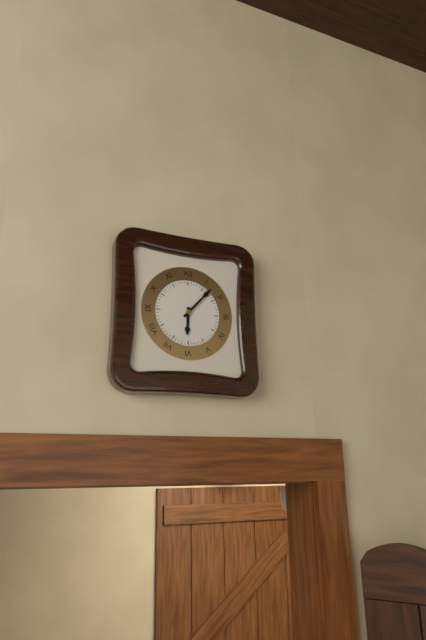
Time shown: {"hour": 6, "minute": 7}
